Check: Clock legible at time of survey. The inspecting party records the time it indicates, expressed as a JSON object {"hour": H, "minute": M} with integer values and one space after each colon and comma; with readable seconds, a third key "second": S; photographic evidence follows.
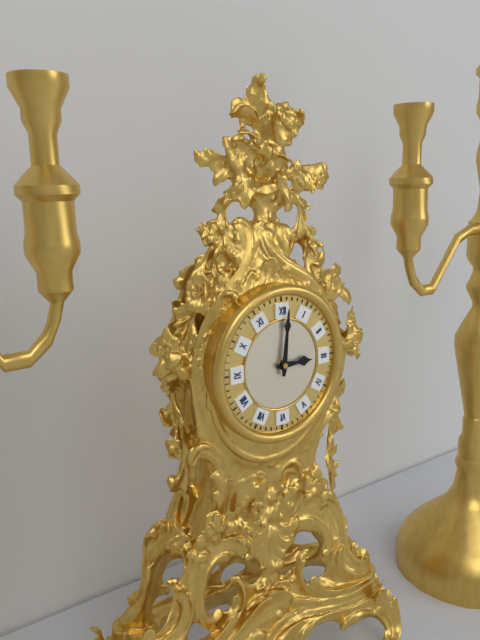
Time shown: {"hour": 3, "minute": 1}
